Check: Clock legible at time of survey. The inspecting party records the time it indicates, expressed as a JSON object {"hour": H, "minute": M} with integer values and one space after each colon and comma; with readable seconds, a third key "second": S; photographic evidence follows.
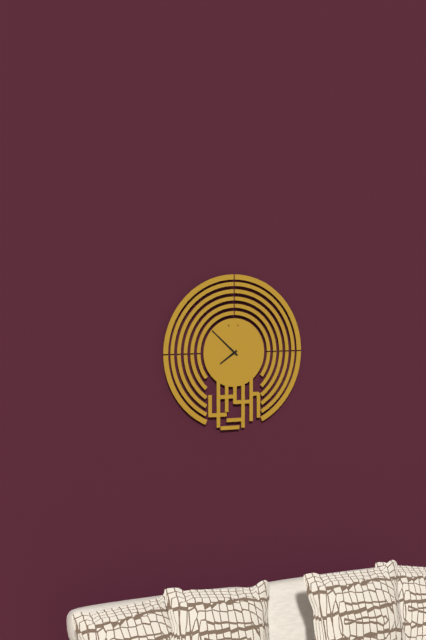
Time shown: {"hour": 7, "minute": 52}
